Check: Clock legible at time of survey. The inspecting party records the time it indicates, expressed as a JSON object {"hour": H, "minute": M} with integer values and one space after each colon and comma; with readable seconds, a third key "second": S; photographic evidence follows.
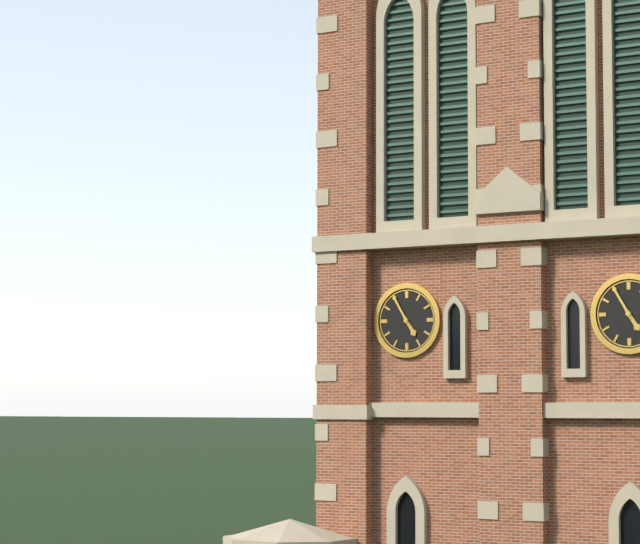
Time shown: {"hour": 4, "minute": 55}
